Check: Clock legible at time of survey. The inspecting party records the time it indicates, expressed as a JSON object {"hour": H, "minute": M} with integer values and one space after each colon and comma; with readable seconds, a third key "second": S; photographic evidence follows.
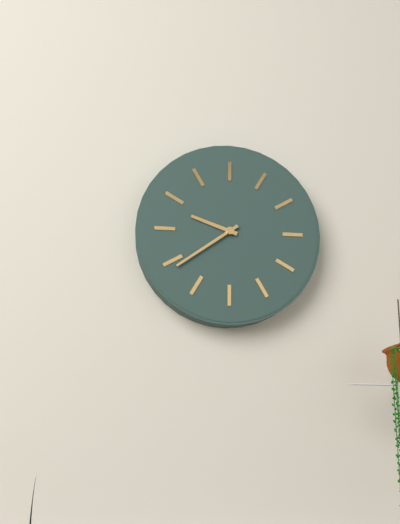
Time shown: {"hour": 9, "minute": 39}
